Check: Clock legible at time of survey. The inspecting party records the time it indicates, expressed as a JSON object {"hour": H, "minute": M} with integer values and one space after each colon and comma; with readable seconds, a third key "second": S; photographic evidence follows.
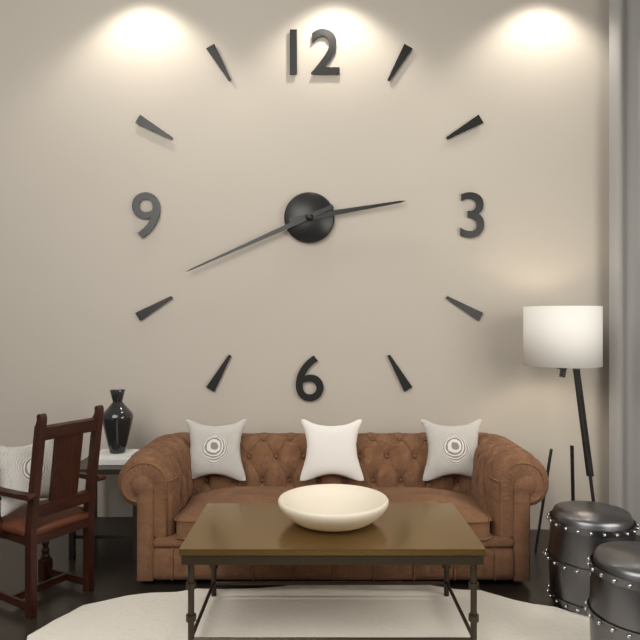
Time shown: {"hour": 2, "minute": 41}
